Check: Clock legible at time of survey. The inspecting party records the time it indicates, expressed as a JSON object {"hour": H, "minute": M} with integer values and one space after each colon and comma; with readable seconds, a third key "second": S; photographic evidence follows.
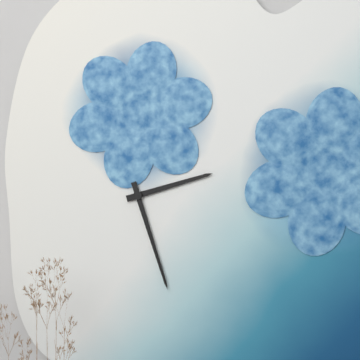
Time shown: {"hour": 2, "minute": 27}
